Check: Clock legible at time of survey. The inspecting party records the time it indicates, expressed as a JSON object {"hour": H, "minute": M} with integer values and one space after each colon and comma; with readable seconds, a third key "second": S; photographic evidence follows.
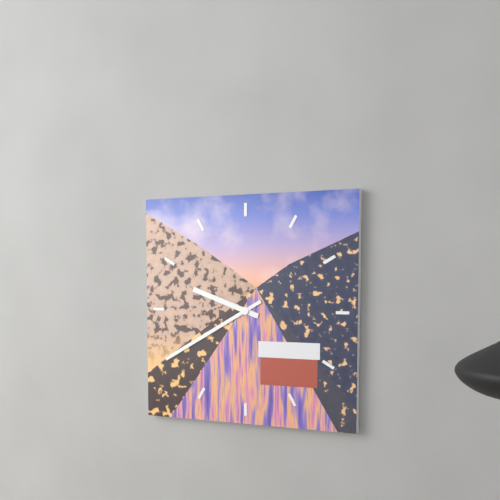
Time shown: {"hour": 9, "minute": 40}
